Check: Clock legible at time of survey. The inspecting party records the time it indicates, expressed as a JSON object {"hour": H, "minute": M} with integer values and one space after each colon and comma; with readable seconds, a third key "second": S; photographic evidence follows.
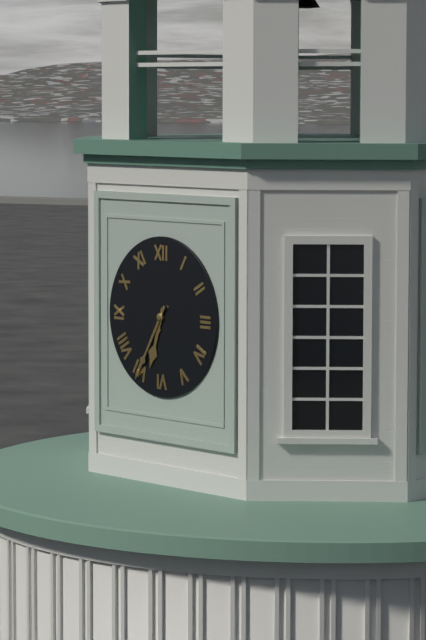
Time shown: {"hour": 6, "minute": 35}
